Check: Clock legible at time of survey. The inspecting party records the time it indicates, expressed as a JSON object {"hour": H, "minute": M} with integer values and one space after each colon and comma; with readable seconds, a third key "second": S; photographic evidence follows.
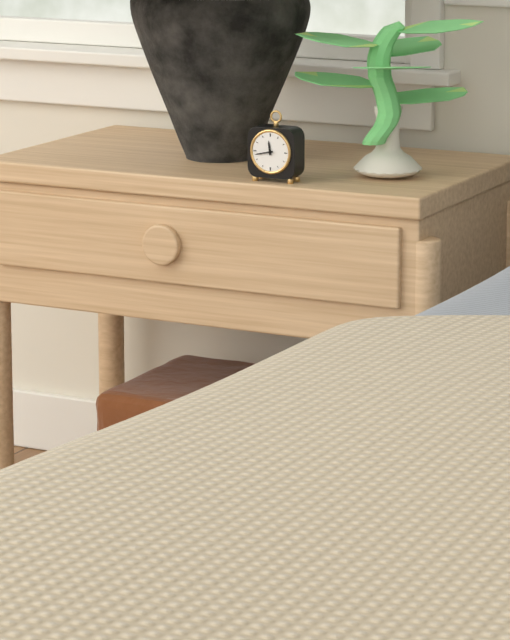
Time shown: {"hour": 11, "minute": 43}
